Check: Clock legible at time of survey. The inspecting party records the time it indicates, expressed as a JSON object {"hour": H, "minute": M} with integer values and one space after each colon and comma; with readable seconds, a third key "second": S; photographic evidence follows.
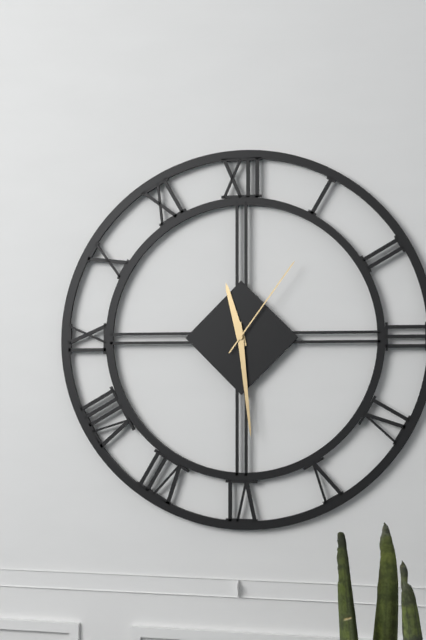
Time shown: {"hour": 11, "minute": 29, "second": 6}
